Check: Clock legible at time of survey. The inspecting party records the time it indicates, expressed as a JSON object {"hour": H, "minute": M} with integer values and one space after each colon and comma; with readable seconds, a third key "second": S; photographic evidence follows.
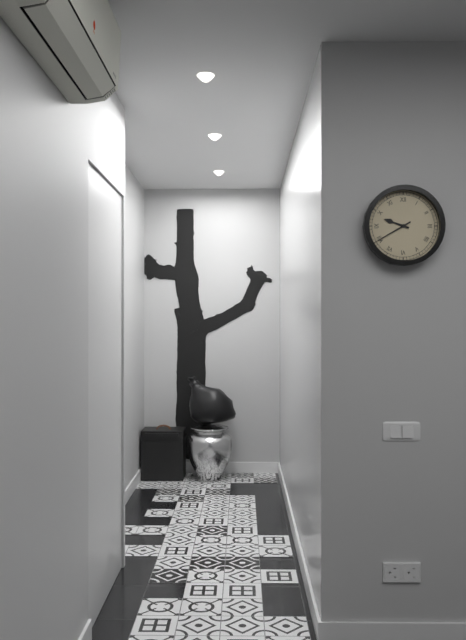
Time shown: {"hour": 9, "minute": 40}
